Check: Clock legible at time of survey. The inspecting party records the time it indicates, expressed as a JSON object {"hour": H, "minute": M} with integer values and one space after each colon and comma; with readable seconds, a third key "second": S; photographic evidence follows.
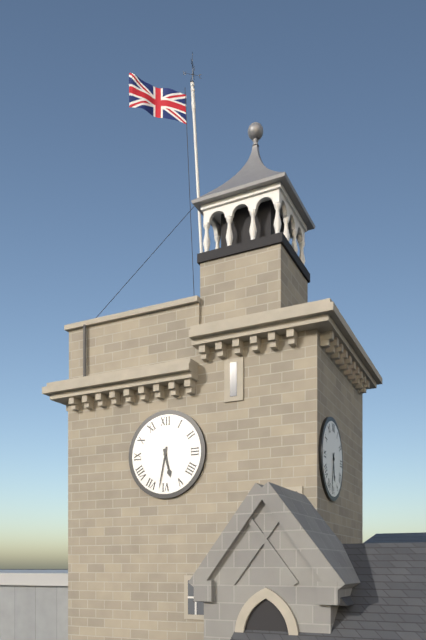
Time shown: {"hour": 5, "minute": 32}
